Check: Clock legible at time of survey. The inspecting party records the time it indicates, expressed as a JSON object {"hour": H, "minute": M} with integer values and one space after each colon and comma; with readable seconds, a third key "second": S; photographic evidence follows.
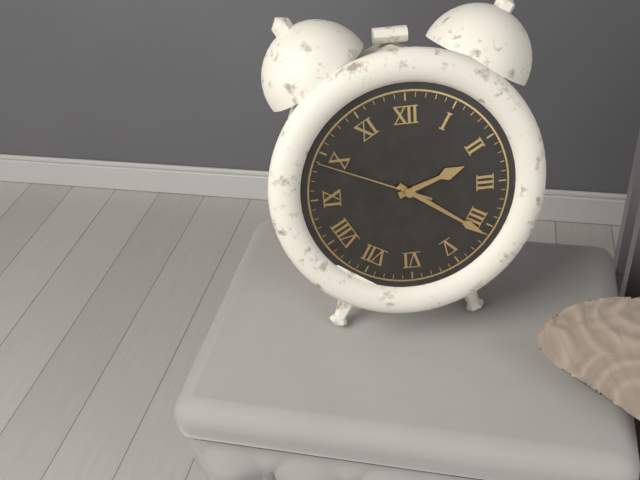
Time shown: {"hour": 2, "minute": 21, "second": 49}
